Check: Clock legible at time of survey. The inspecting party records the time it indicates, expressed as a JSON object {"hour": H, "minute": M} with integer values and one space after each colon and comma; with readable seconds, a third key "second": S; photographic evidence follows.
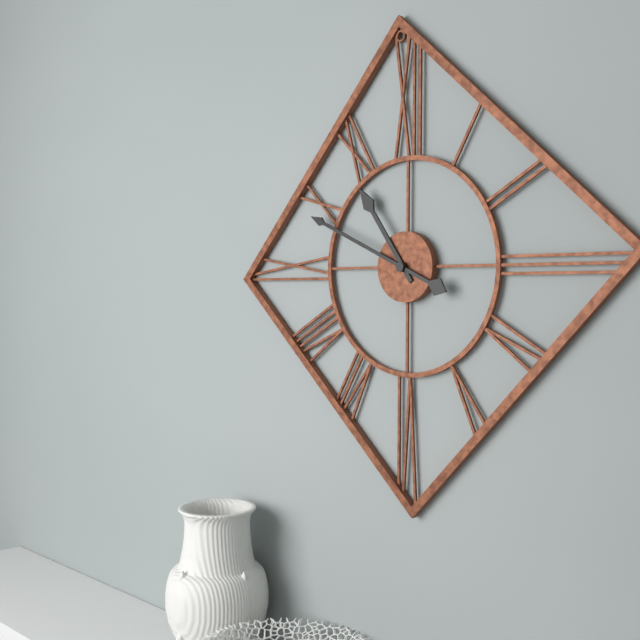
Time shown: {"hour": 10, "minute": 49}
